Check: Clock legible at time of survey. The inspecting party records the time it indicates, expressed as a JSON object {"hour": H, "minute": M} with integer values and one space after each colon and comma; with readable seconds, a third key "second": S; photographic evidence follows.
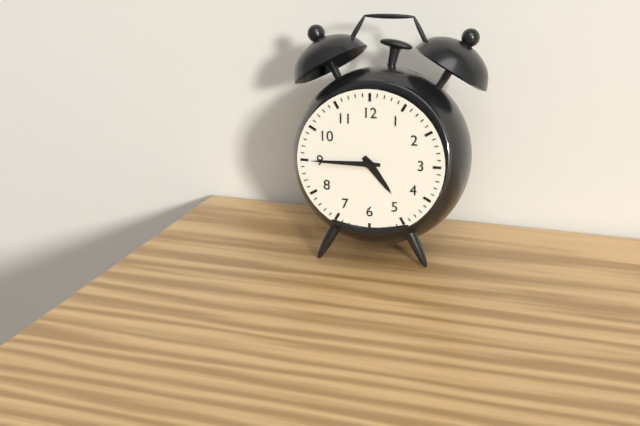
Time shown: {"hour": 4, "minute": 45}
